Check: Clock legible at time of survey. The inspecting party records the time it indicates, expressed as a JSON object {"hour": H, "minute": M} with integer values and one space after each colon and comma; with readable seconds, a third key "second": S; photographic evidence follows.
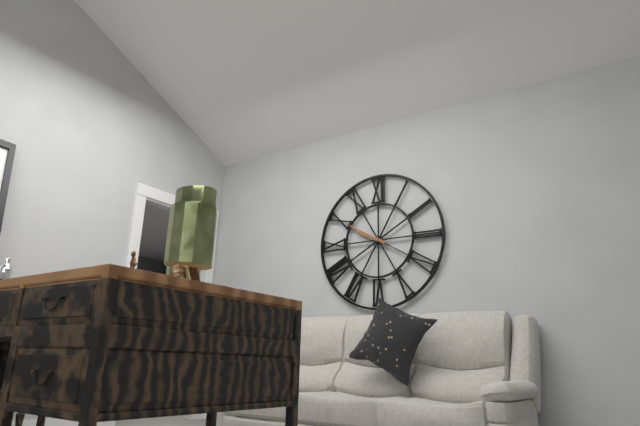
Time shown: {"hour": 9, "minute": 50}
